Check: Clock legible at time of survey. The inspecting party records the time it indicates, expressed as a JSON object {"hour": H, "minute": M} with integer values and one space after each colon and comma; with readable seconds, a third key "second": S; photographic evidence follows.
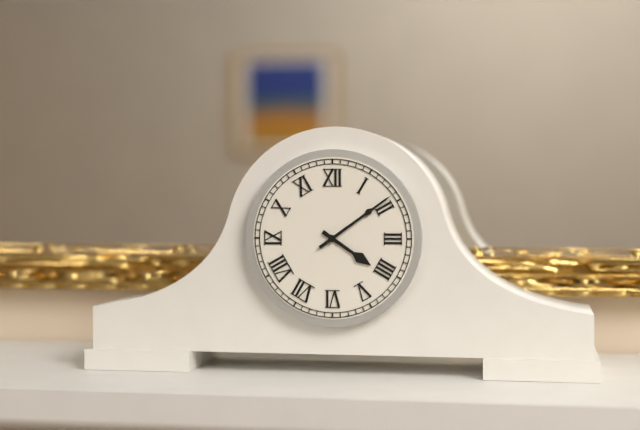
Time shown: {"hour": 4, "minute": 9}
